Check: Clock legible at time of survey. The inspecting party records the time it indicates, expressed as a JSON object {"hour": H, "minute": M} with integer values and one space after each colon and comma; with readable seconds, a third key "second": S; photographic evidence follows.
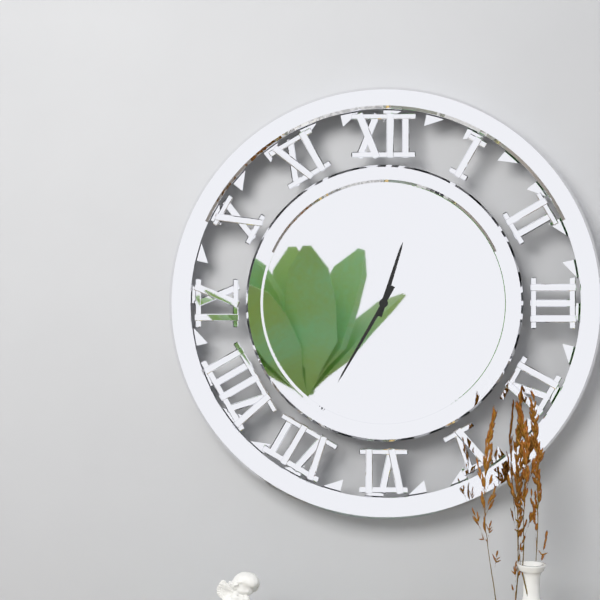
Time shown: {"hour": 12, "minute": 35}
